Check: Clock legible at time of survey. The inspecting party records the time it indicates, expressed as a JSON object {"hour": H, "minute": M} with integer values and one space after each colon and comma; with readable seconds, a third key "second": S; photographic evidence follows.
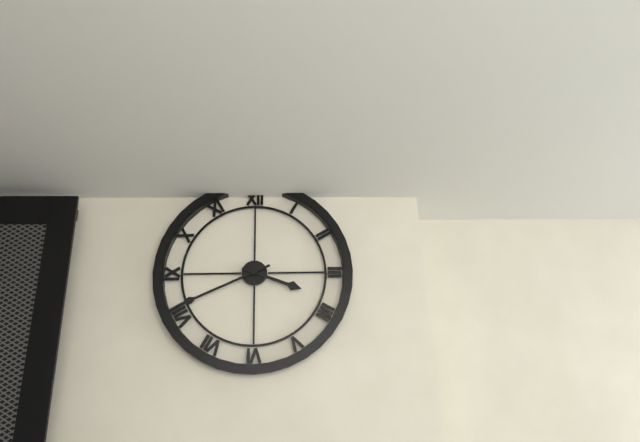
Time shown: {"hour": 3, "minute": 41}
